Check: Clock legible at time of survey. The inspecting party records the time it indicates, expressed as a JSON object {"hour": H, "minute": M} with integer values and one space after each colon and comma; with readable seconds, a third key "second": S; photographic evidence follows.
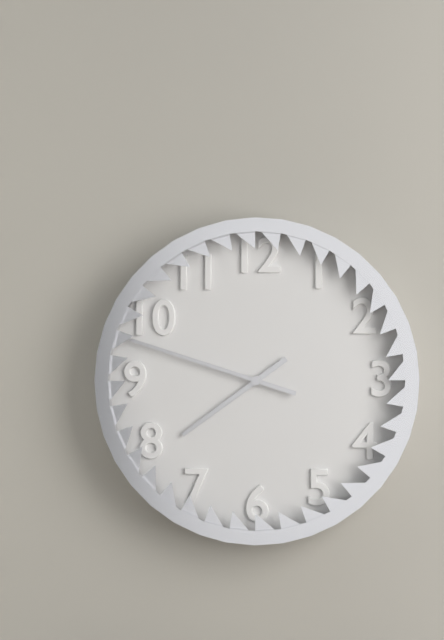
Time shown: {"hour": 7, "minute": 48}
